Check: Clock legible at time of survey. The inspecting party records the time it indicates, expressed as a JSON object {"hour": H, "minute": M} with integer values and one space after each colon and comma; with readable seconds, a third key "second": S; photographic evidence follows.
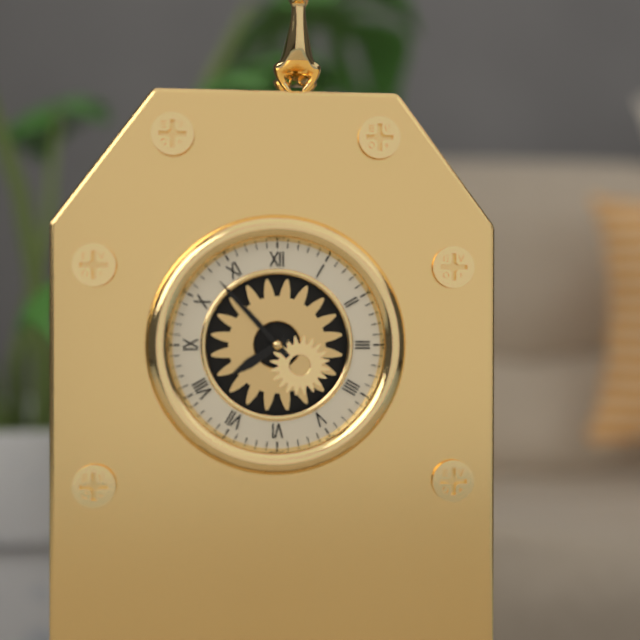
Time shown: {"hour": 7, "minute": 53}
